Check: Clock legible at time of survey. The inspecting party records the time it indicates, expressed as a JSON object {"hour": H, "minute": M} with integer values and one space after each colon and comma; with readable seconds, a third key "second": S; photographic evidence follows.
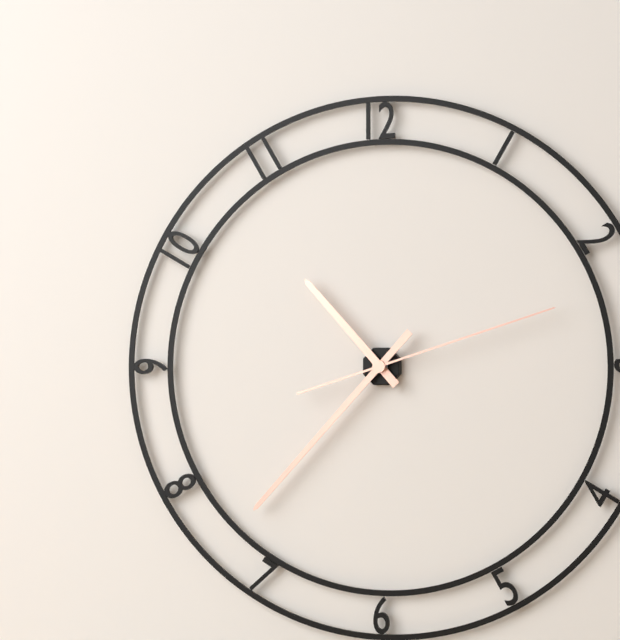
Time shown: {"hour": 10, "minute": 37, "second": 12}
